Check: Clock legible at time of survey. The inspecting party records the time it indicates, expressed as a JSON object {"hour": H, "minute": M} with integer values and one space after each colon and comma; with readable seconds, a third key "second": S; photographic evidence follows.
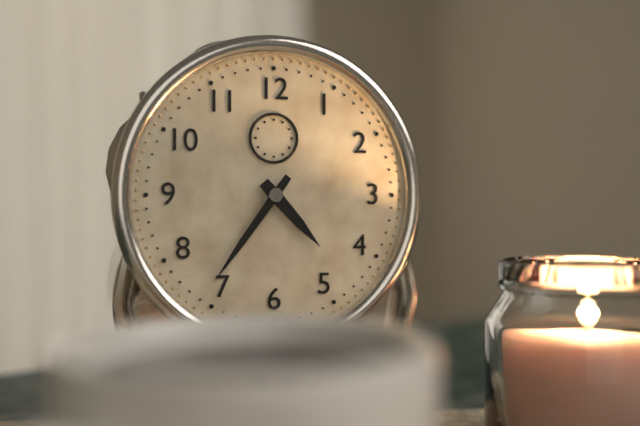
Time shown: {"hour": 4, "minute": 36}
